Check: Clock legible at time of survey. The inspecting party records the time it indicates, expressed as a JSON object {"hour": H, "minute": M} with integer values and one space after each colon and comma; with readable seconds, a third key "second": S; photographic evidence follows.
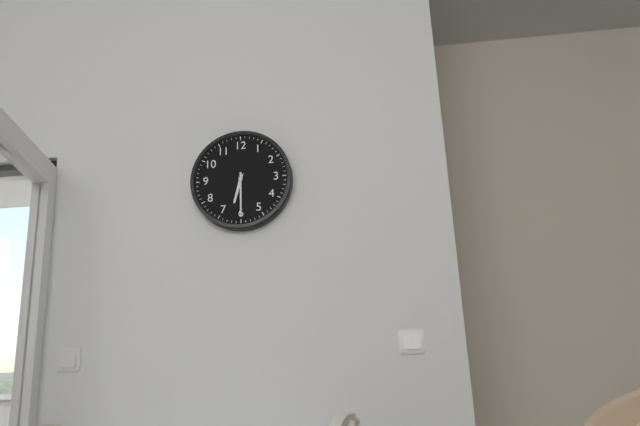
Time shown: {"hour": 6, "minute": 30}
